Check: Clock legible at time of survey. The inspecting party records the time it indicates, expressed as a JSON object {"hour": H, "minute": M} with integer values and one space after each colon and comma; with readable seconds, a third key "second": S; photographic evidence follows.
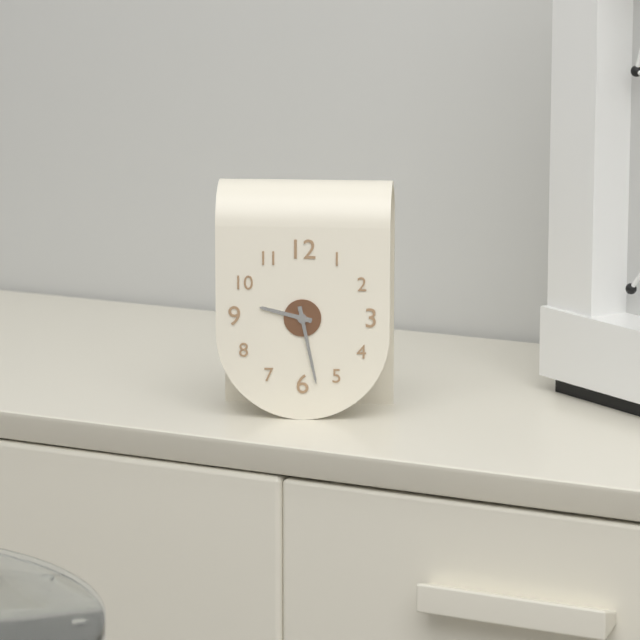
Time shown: {"hour": 9, "minute": 28}
